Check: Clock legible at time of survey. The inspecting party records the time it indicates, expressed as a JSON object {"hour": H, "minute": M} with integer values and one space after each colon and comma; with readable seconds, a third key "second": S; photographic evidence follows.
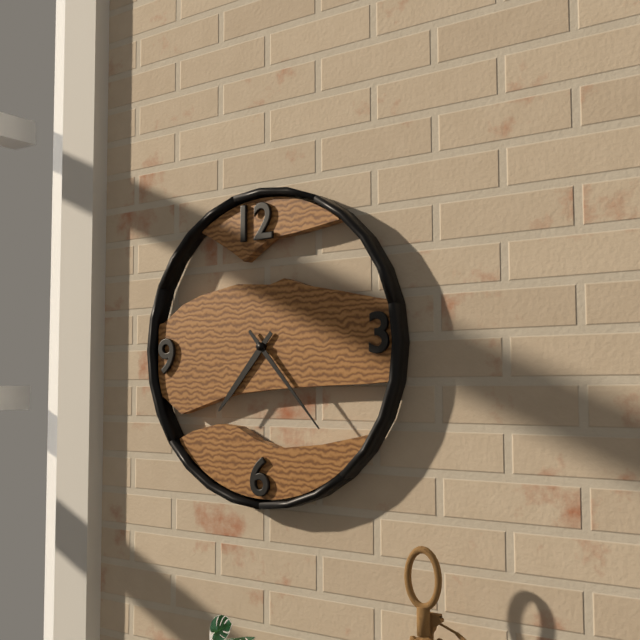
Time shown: {"hour": 7, "minute": 23}
